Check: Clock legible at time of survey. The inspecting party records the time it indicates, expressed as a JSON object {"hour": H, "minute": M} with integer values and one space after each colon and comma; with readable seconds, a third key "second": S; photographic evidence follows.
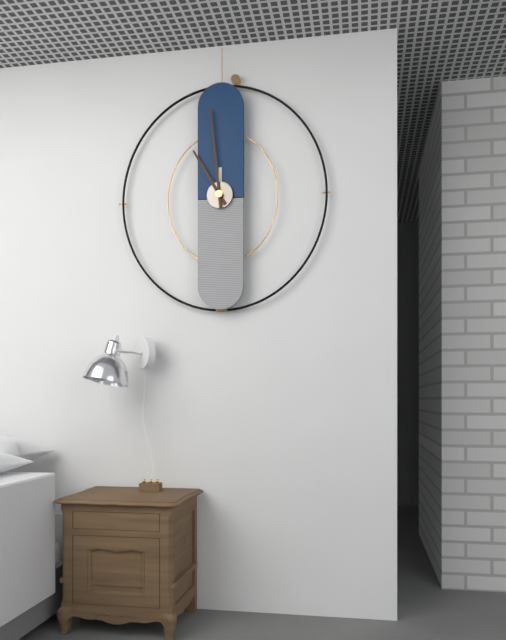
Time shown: {"hour": 10, "minute": 59}
